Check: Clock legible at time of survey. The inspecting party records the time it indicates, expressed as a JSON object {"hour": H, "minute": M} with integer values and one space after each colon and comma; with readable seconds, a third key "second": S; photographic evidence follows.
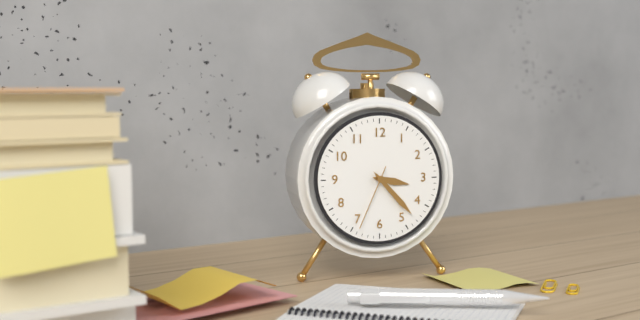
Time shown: {"hour": 3, "minute": 23, "second": 34}
